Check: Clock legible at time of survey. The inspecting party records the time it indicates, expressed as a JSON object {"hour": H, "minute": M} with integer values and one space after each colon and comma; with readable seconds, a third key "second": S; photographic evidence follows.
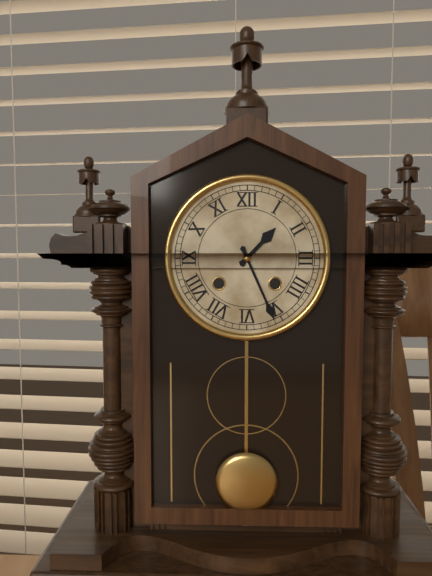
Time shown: {"hour": 1, "minute": 26}
